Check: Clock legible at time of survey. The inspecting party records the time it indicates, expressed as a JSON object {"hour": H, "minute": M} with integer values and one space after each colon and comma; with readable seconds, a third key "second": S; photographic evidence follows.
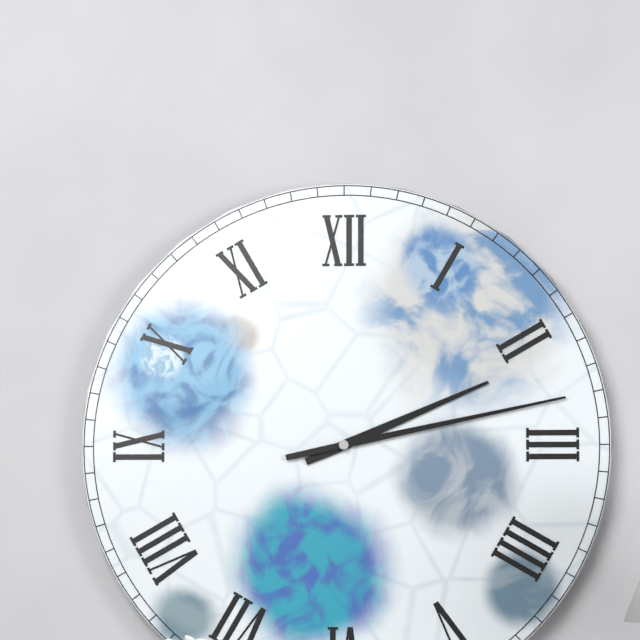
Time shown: {"hour": 2, "minute": 13}
